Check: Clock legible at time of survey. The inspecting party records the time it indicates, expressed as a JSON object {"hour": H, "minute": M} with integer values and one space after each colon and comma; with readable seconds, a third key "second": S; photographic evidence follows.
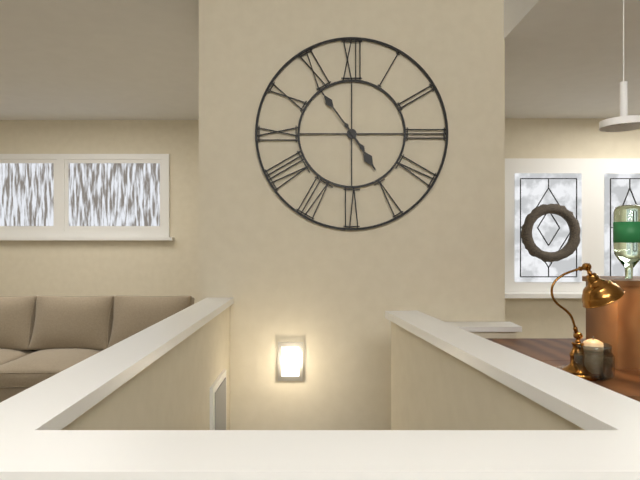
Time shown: {"hour": 4, "minute": 54}
